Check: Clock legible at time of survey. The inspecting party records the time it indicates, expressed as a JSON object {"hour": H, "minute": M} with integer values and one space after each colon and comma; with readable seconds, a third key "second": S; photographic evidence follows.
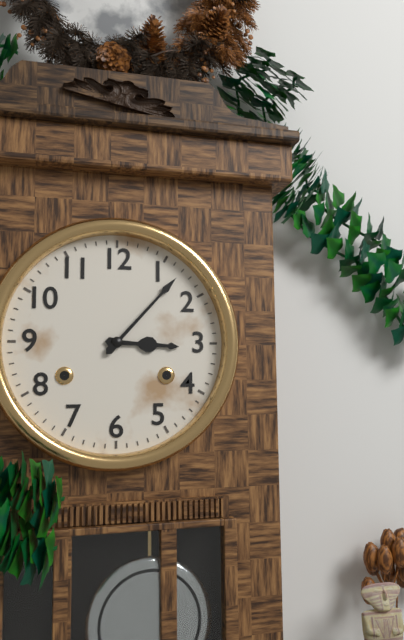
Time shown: {"hour": 3, "minute": 7}
